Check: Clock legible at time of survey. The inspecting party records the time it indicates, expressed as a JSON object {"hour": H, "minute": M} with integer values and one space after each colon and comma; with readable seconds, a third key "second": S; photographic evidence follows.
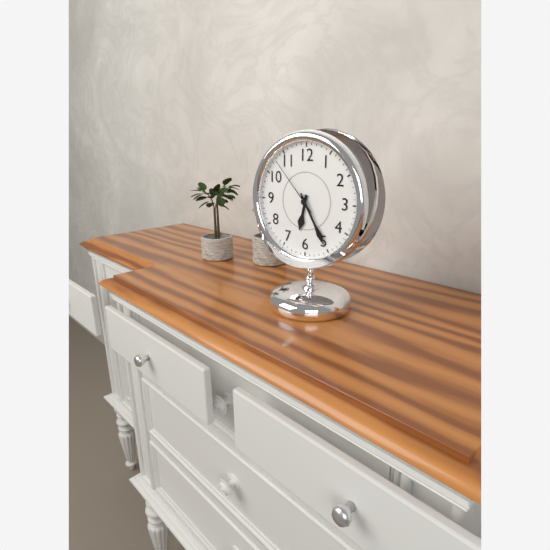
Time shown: {"hour": 6, "minute": 25, "second": 53}
